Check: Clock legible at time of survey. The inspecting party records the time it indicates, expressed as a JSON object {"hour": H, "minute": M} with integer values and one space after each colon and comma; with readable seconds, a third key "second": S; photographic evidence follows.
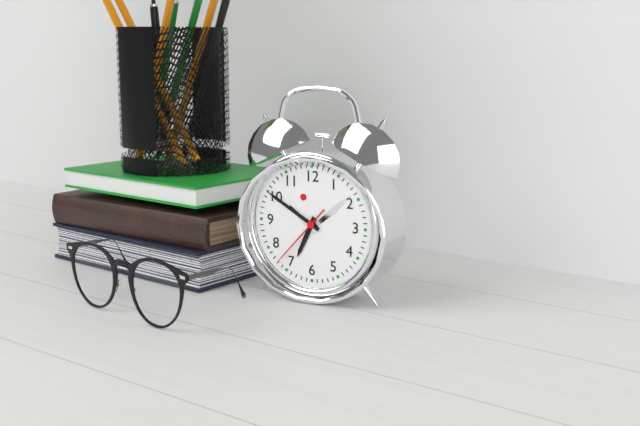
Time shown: {"hour": 6, "minute": 50, "second": 37}
